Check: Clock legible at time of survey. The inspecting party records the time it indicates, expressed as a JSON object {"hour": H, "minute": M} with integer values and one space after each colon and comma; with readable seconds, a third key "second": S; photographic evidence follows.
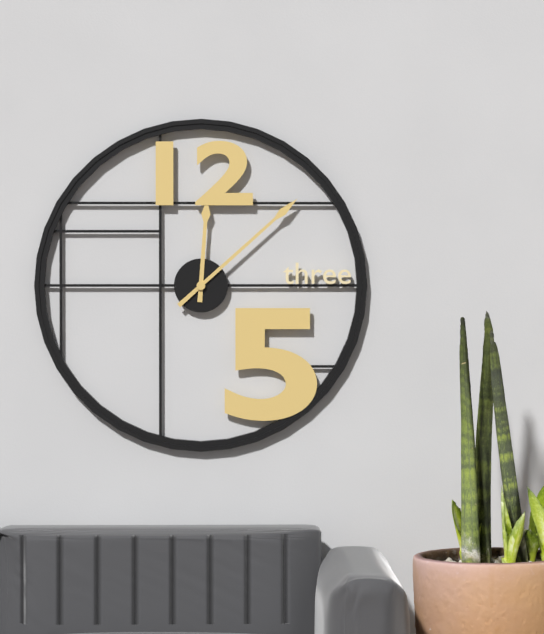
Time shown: {"hour": 12, "minute": 8}
